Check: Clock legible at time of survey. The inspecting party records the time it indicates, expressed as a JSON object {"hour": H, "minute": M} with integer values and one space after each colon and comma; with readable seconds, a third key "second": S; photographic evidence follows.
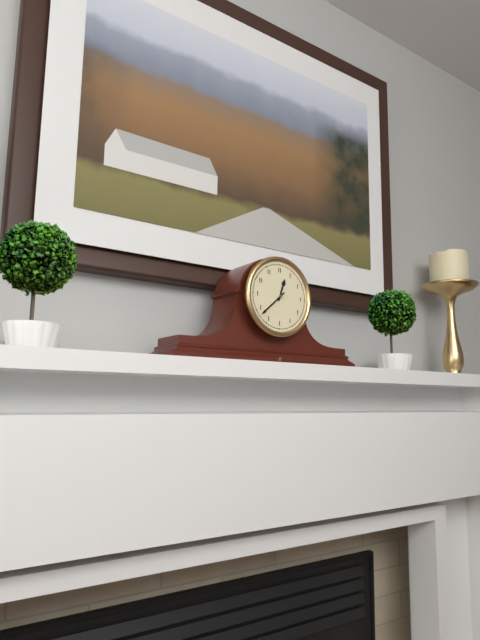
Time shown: {"hour": 12, "minute": 38}
